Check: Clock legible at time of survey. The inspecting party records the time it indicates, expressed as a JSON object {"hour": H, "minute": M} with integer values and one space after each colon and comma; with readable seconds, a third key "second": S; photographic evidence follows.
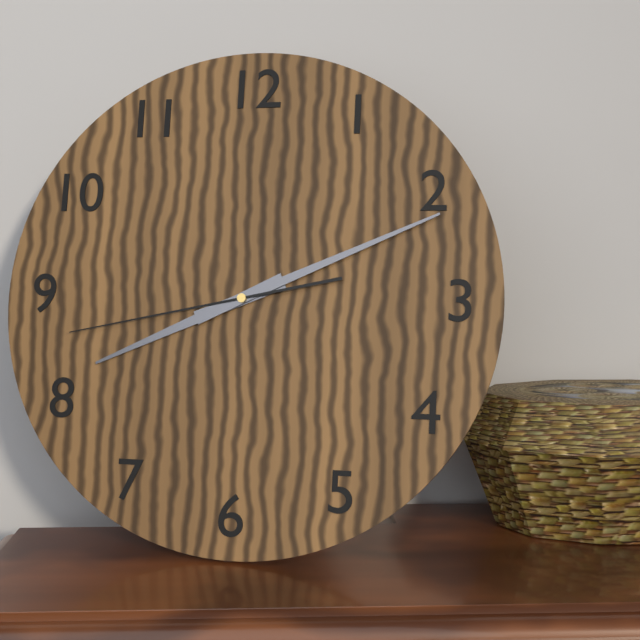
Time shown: {"hour": 8, "minute": 11, "second": 43}
